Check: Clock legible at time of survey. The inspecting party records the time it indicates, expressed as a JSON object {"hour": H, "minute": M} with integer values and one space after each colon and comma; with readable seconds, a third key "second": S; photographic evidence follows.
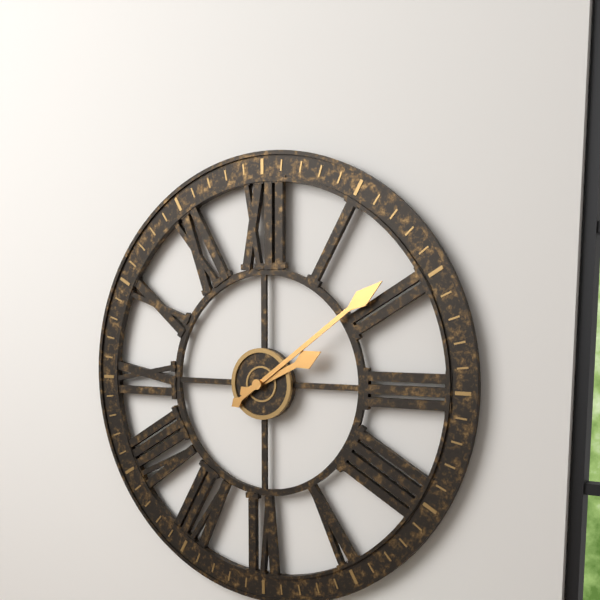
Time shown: {"hour": 2, "minute": 9}
